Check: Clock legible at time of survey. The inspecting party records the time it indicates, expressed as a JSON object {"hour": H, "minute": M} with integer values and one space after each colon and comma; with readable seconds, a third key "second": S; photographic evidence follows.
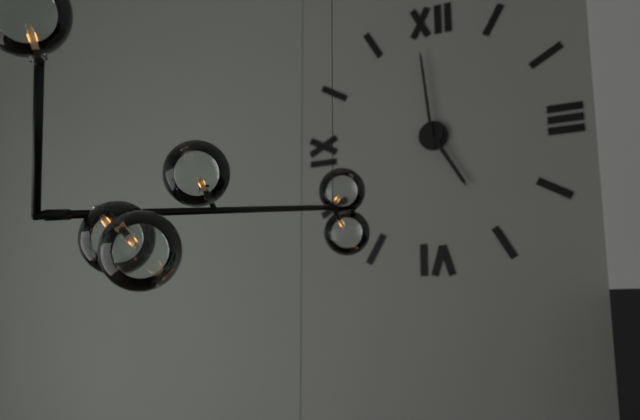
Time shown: {"hour": 4, "minute": 59}
